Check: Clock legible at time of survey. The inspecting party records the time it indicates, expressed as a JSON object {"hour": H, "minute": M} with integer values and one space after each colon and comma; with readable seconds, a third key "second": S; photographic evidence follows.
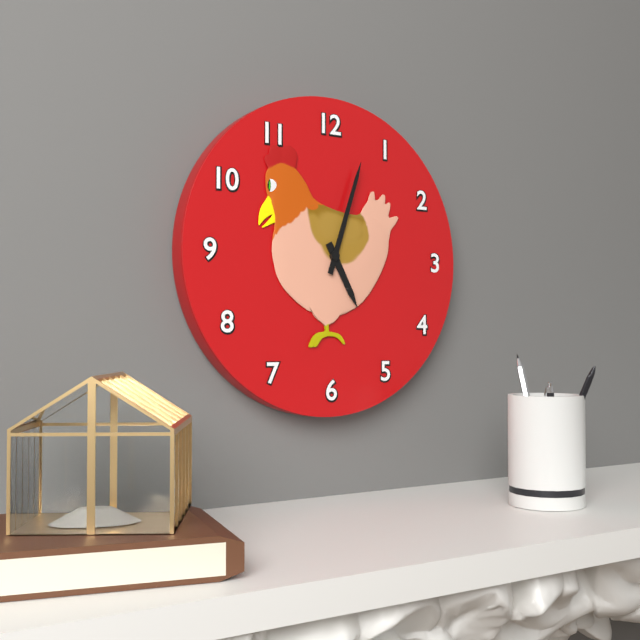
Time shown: {"hour": 5, "minute": 3}
